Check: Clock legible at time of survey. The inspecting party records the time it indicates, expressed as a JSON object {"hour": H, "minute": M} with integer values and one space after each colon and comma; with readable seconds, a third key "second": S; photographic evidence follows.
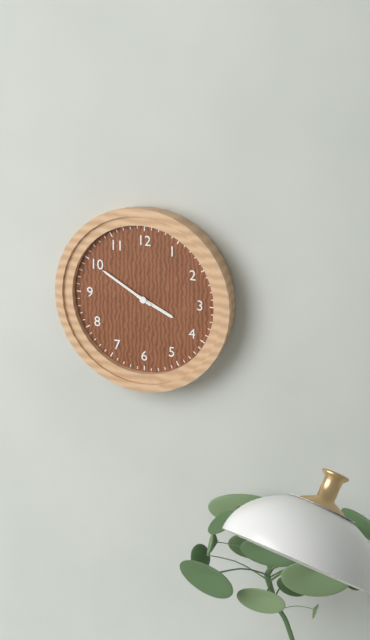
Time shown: {"hour": 3, "minute": 50}
